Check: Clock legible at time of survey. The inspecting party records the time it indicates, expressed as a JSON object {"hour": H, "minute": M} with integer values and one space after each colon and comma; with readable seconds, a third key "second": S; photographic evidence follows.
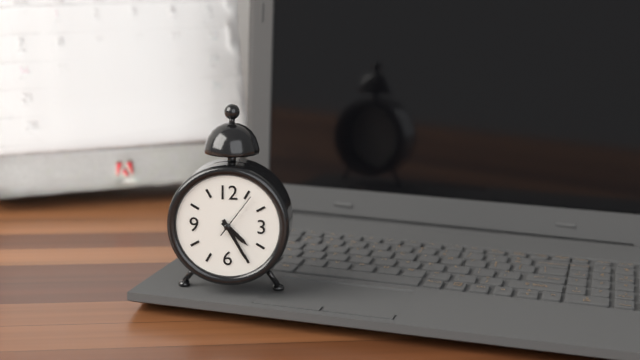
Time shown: {"hour": 4, "minute": 25}
